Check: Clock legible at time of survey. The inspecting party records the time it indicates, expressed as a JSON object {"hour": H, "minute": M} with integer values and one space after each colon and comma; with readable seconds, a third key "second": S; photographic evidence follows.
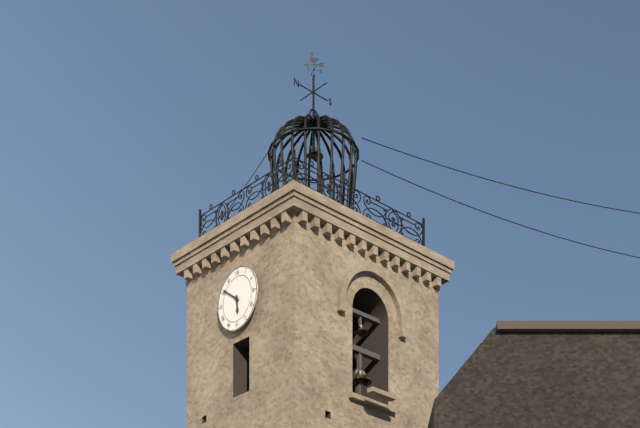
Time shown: {"hour": 5, "minute": 51}
